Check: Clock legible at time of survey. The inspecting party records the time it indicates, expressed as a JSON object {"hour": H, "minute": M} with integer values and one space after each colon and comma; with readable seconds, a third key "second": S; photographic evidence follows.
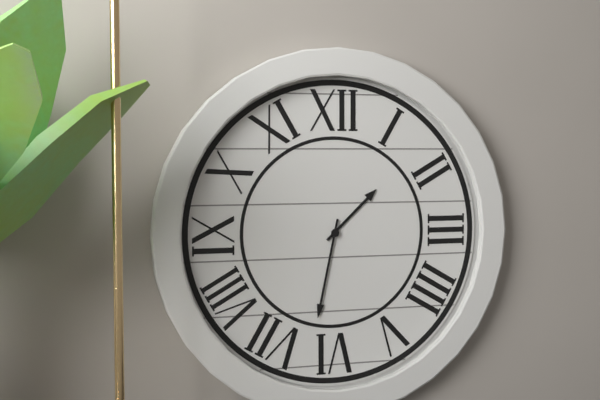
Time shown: {"hour": 1, "minute": 32}
